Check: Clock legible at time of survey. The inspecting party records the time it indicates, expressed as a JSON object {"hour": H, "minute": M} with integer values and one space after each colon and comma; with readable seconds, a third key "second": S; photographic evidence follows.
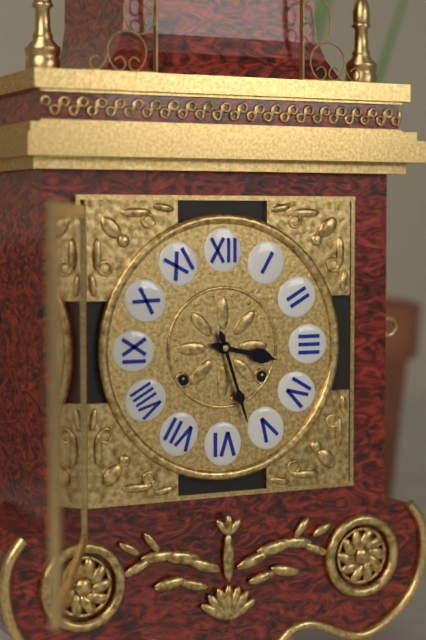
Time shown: {"hour": 3, "minute": 27}
